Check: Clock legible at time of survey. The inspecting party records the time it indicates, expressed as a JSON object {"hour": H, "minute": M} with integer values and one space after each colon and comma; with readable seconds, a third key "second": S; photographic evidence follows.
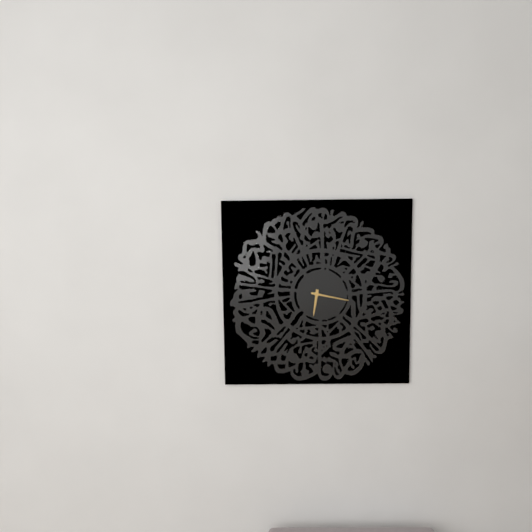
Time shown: {"hour": 6, "minute": 17}
